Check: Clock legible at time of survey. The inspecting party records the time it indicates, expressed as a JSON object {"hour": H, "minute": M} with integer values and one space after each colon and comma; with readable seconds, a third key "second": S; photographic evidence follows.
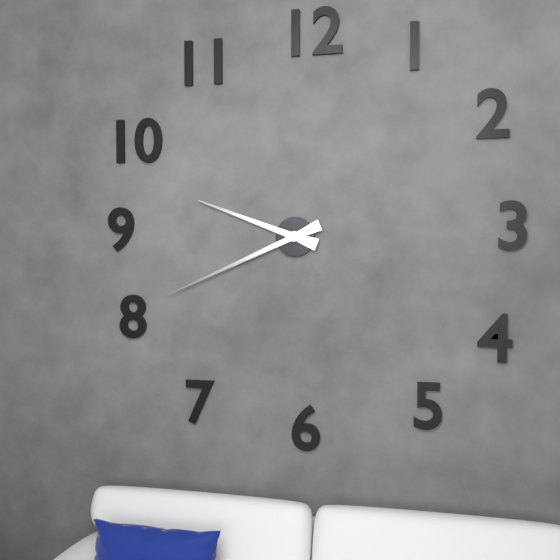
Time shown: {"hour": 9, "minute": 41}
